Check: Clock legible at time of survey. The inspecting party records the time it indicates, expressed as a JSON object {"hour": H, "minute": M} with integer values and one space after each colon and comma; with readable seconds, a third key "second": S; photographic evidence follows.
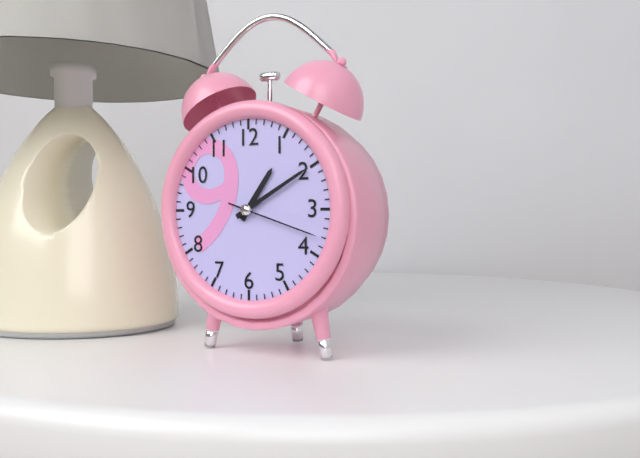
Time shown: {"hour": 1, "minute": 10, "second": 18}
